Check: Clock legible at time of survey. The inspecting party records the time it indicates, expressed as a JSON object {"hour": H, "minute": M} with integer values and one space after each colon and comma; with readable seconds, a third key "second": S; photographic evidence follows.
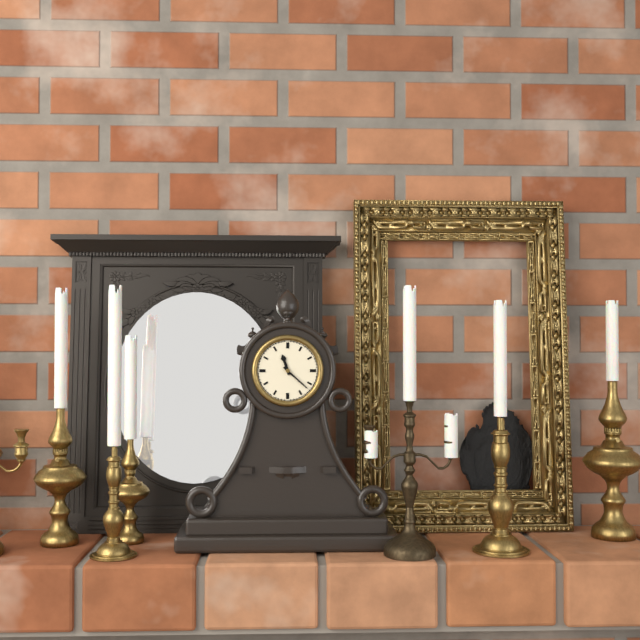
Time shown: {"hour": 11, "minute": 22}
